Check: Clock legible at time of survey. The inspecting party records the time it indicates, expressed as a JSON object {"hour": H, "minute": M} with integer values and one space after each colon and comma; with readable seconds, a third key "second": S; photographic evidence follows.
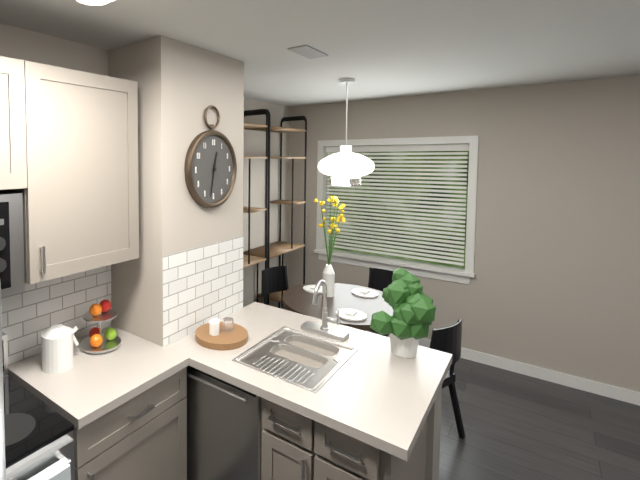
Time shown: {"hour": 12, "minute": 32}
